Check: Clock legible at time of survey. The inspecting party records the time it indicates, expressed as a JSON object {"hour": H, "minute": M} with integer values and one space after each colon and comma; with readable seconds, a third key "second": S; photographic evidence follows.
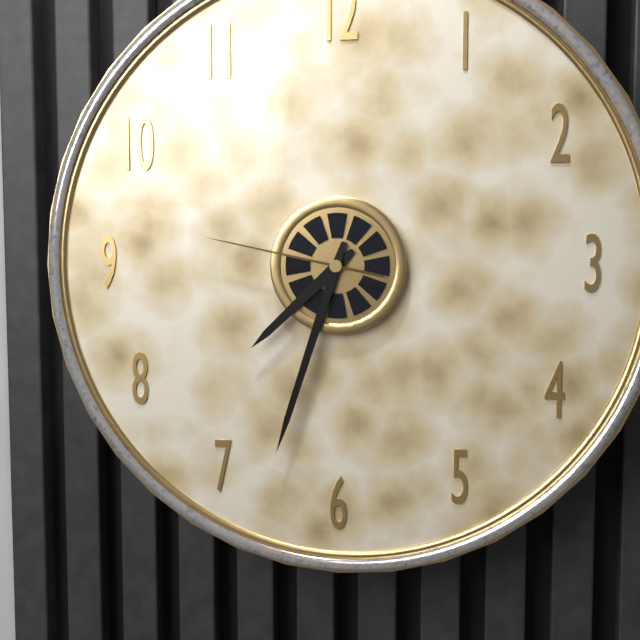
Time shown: {"hour": 7, "minute": 33, "second": 47}
